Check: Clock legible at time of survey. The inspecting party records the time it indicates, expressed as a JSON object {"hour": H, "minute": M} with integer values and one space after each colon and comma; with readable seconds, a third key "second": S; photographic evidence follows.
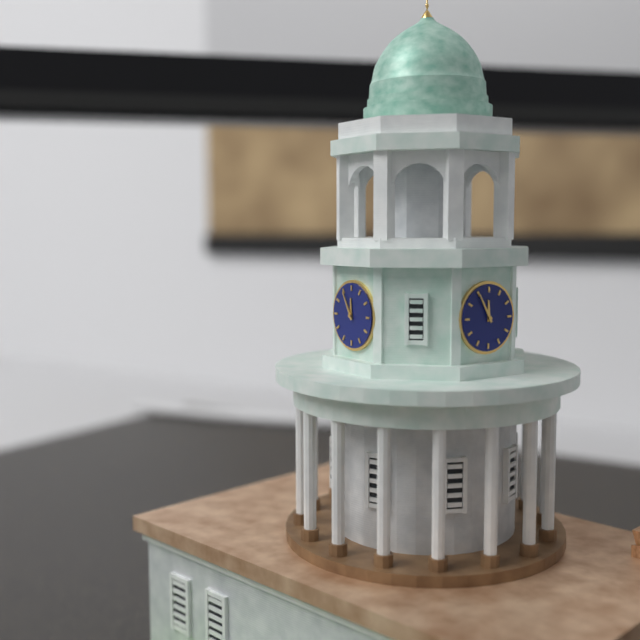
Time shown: {"hour": 11, "minute": 55}
